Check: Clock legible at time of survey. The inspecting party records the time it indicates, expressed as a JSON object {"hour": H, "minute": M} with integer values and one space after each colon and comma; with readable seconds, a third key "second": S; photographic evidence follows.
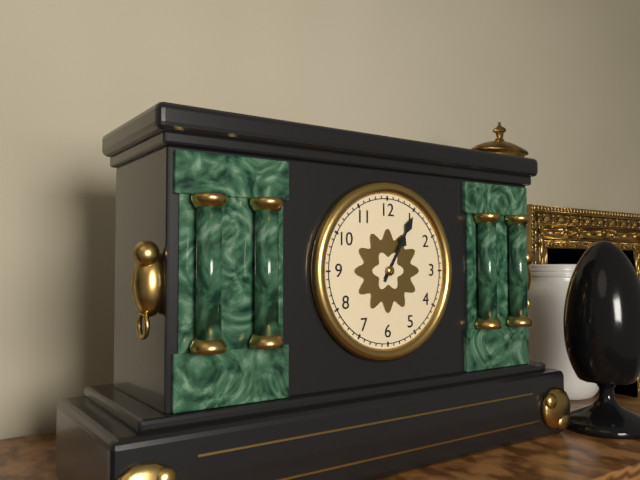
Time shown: {"hour": 1, "minute": 5}
